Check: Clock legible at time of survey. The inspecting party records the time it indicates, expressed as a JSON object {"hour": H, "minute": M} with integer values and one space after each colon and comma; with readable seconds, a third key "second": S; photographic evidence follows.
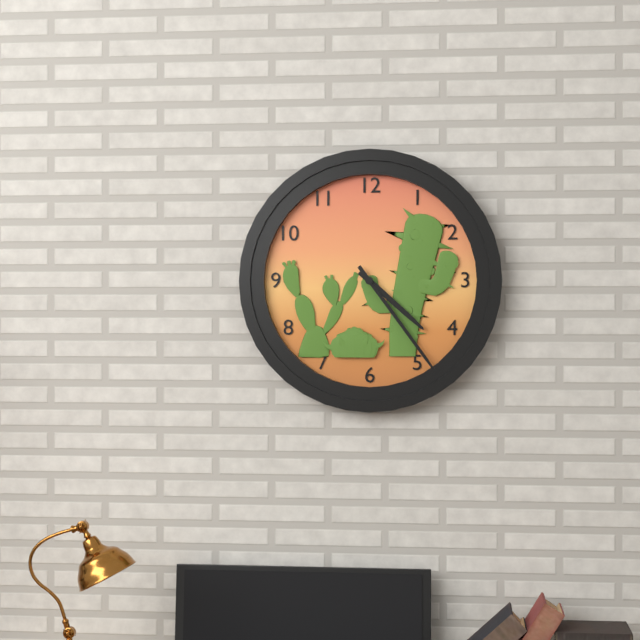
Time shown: {"hour": 4, "minute": 24}
